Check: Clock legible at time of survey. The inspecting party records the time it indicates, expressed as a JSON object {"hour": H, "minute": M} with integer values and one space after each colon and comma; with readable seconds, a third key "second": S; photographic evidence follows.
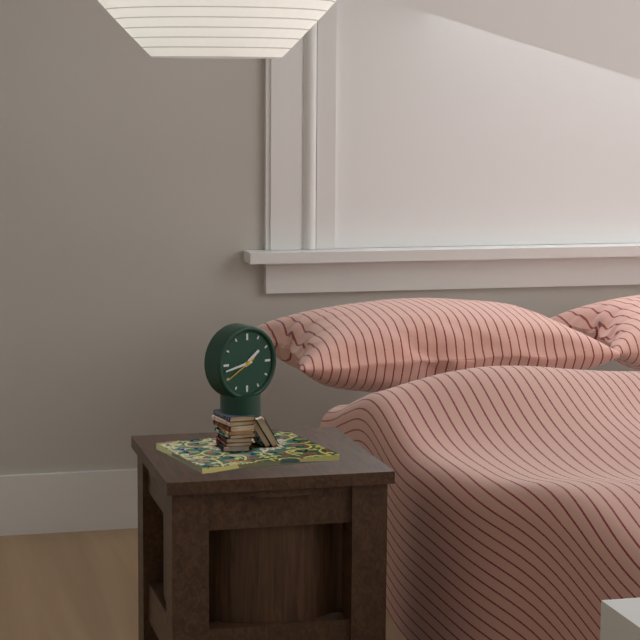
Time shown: {"hour": 1, "minute": 43}
